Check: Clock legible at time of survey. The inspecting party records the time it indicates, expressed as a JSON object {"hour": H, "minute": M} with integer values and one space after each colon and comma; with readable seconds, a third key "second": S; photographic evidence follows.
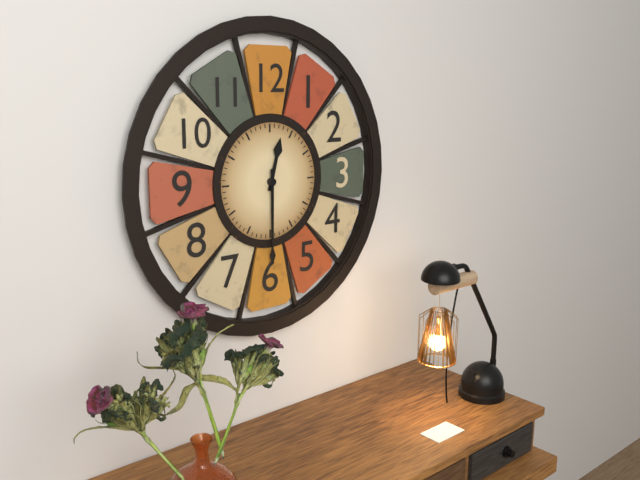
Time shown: {"hour": 12, "minute": 30}
